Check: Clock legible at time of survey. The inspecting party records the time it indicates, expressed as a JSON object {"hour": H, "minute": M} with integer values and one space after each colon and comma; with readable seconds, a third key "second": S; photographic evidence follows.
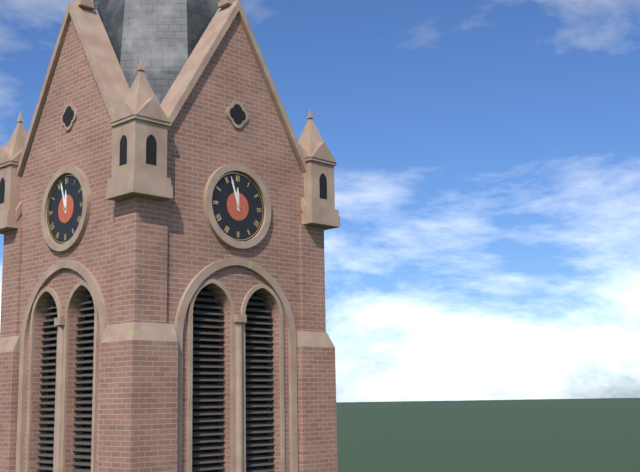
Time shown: {"hour": 11, "minute": 57}
